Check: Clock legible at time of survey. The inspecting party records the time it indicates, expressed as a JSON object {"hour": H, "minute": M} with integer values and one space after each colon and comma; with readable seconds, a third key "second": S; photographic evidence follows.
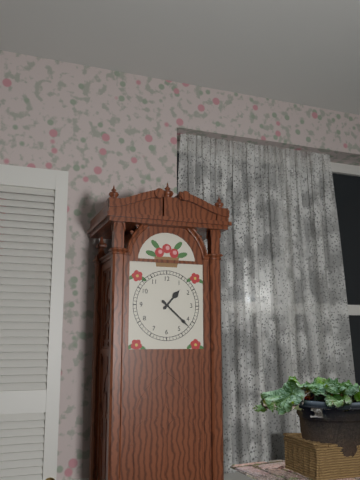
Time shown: {"hour": 1, "minute": 22}
